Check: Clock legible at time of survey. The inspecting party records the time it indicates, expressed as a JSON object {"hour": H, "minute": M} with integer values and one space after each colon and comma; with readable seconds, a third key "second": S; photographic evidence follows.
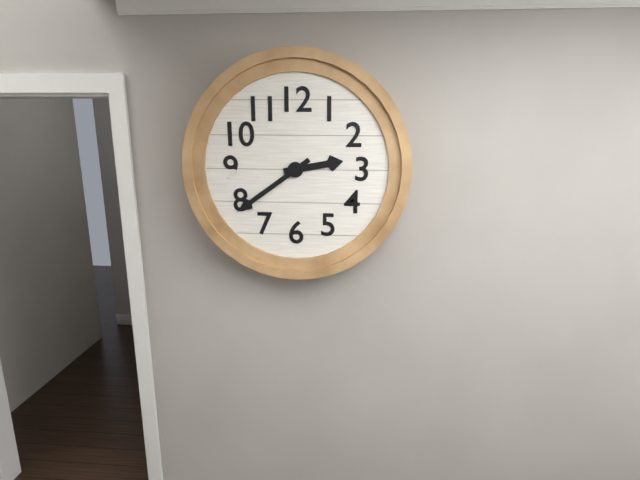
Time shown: {"hour": 2, "minute": 39}
